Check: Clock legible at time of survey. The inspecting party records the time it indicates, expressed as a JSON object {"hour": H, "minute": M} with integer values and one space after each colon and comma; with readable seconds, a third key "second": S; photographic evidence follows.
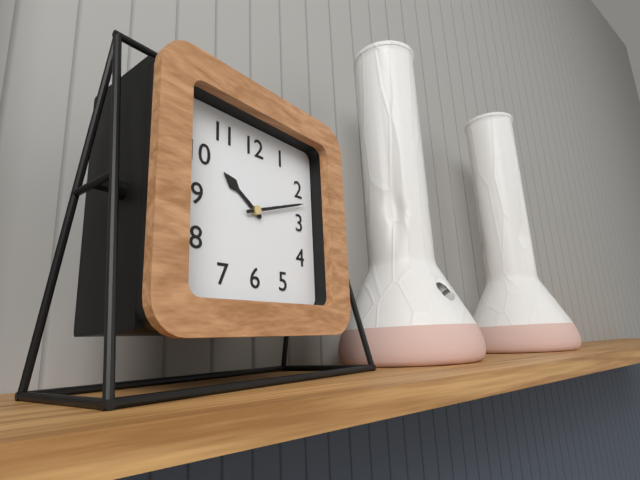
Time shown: {"hour": 10, "minute": 12}
